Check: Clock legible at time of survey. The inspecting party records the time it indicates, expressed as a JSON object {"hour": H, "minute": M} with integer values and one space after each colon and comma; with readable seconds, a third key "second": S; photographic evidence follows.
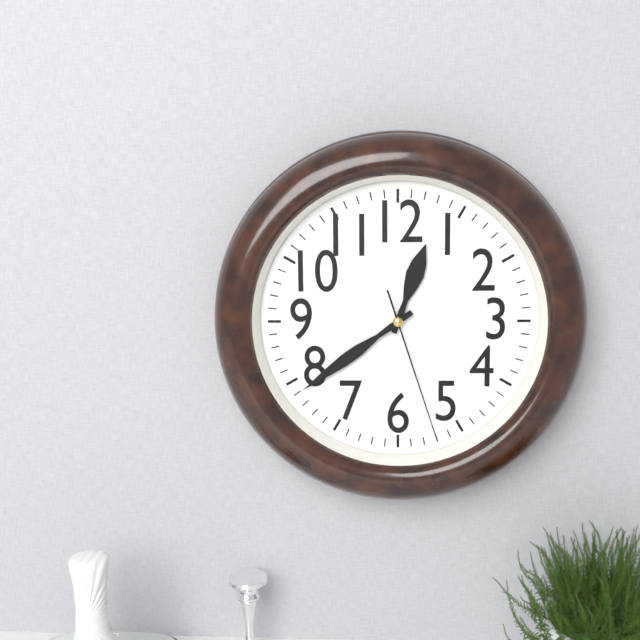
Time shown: {"hour": 12, "minute": 39, "second": 27}
